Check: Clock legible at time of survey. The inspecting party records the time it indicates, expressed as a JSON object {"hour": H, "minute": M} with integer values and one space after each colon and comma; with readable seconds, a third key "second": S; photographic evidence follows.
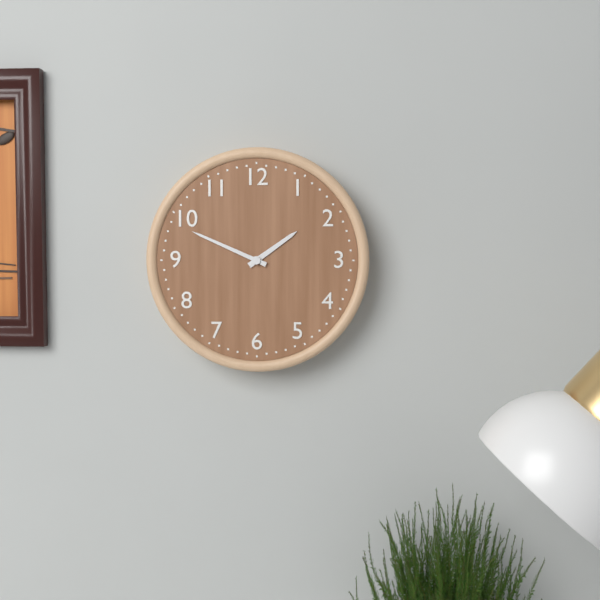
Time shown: {"hour": 1, "minute": 49}
